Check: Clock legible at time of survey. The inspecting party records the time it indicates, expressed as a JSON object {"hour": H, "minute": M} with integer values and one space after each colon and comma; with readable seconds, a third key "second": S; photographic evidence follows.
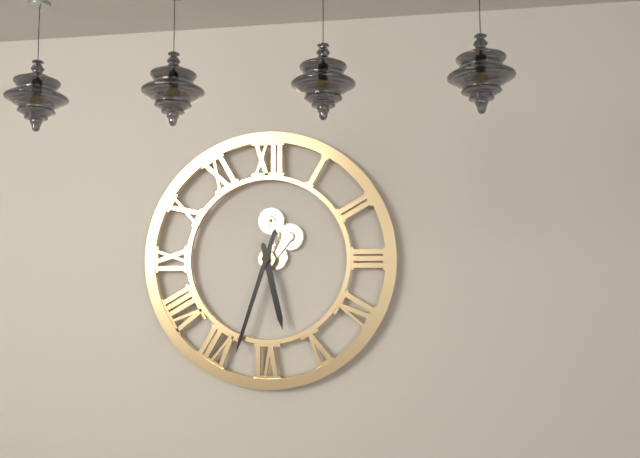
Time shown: {"hour": 5, "minute": 33}
